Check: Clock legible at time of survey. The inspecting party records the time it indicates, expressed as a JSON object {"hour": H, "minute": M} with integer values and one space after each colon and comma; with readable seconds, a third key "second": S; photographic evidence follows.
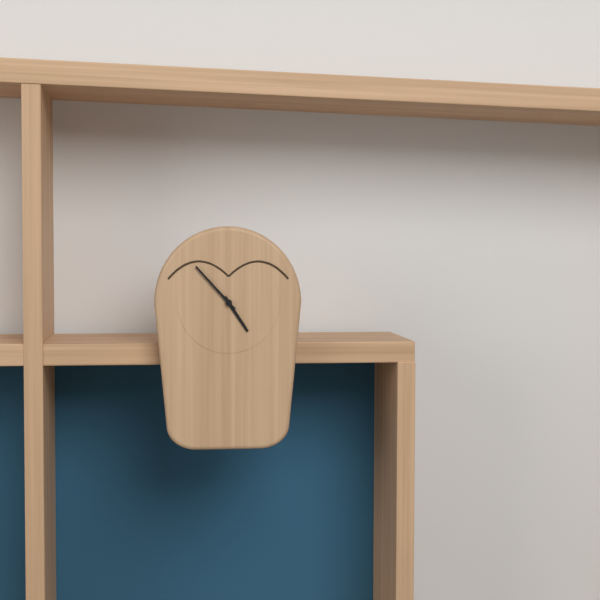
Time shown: {"hour": 4, "minute": 53}
